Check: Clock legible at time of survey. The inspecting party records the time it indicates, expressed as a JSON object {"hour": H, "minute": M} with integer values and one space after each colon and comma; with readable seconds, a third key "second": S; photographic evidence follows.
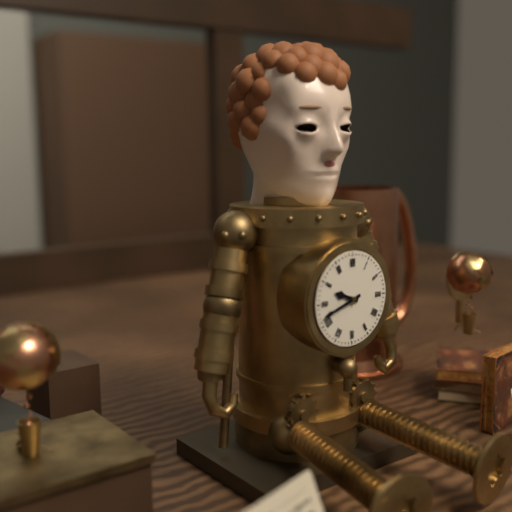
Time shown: {"hour": 9, "minute": 42}
